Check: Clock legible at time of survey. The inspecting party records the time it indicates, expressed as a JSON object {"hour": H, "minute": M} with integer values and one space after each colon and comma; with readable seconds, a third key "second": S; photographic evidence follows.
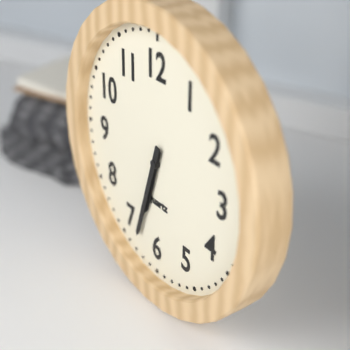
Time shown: {"hour": 6, "minute": 33}
